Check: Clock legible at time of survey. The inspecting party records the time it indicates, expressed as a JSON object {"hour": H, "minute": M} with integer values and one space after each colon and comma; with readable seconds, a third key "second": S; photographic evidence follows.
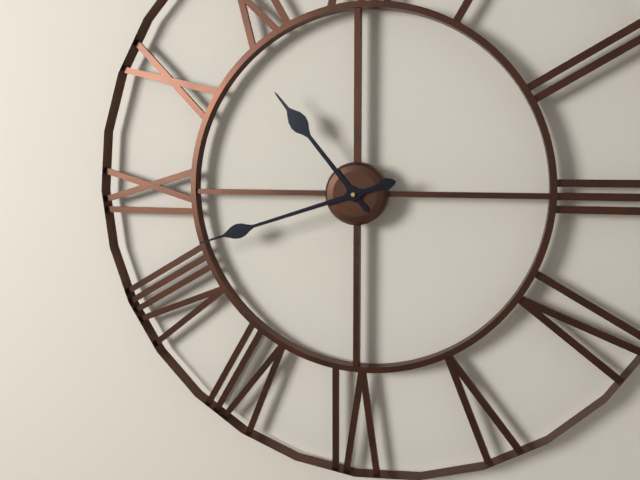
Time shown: {"hour": 10, "minute": 42}
